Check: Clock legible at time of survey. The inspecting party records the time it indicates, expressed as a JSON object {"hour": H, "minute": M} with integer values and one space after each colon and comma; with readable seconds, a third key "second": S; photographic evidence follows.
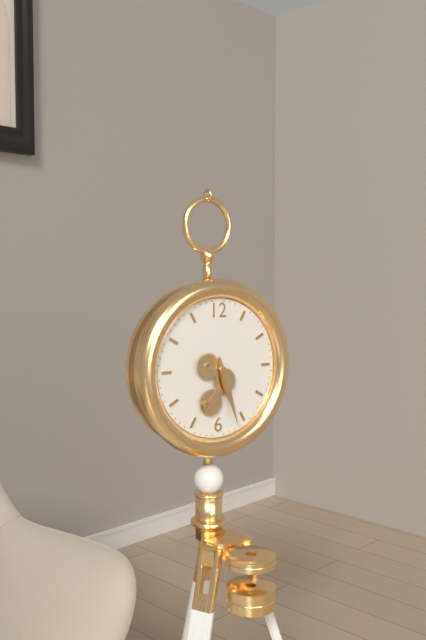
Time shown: {"hour": 5, "minute": 27}
